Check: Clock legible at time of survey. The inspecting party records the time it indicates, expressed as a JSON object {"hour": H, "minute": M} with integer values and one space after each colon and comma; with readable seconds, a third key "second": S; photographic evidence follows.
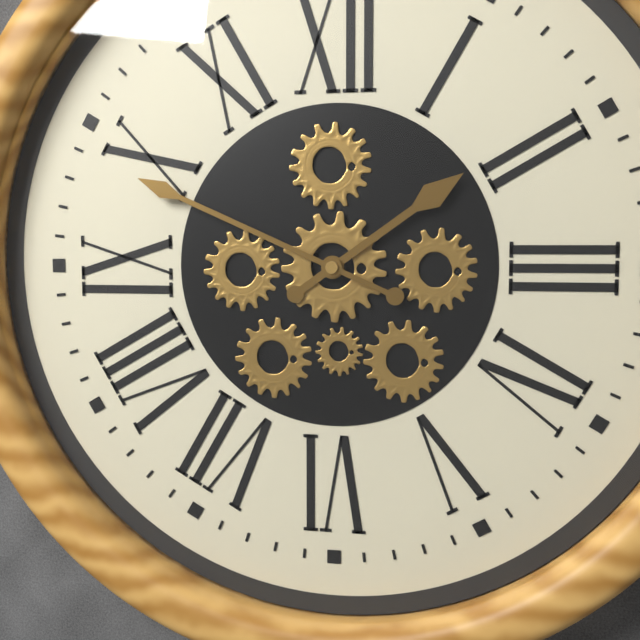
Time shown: {"hour": 1, "minute": 49}
